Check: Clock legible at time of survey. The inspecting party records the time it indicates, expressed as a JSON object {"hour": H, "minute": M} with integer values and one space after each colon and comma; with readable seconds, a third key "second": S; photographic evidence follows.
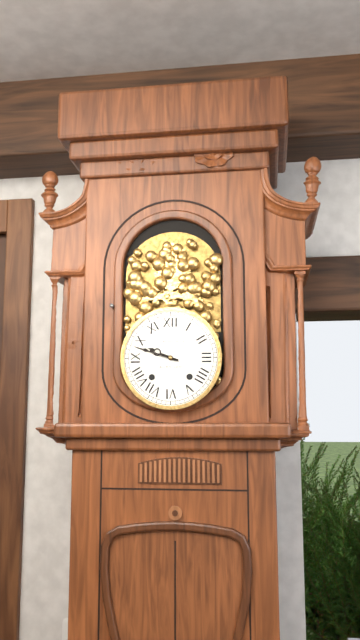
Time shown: {"hour": 9, "minute": 48}
